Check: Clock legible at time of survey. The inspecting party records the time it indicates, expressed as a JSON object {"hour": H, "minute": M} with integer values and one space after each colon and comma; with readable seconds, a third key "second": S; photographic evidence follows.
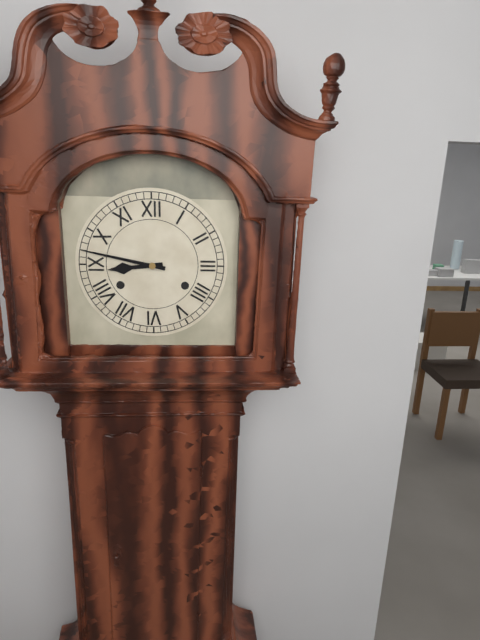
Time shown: {"hour": 8, "minute": 47}
